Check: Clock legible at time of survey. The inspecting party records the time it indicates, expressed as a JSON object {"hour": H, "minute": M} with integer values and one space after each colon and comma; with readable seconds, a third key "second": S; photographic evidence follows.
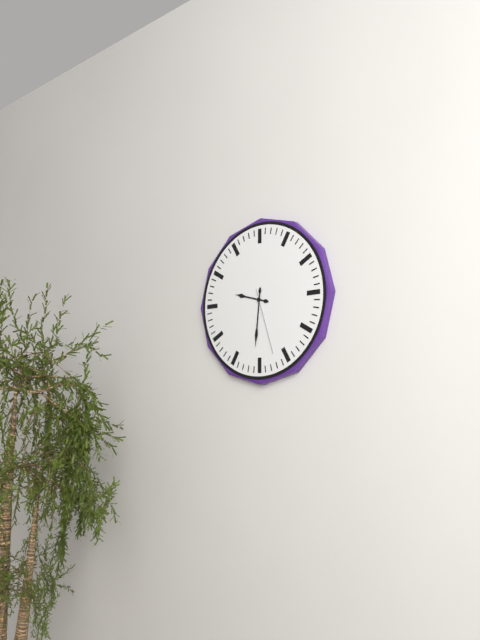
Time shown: {"hour": 9, "minute": 31, "second": 27}
